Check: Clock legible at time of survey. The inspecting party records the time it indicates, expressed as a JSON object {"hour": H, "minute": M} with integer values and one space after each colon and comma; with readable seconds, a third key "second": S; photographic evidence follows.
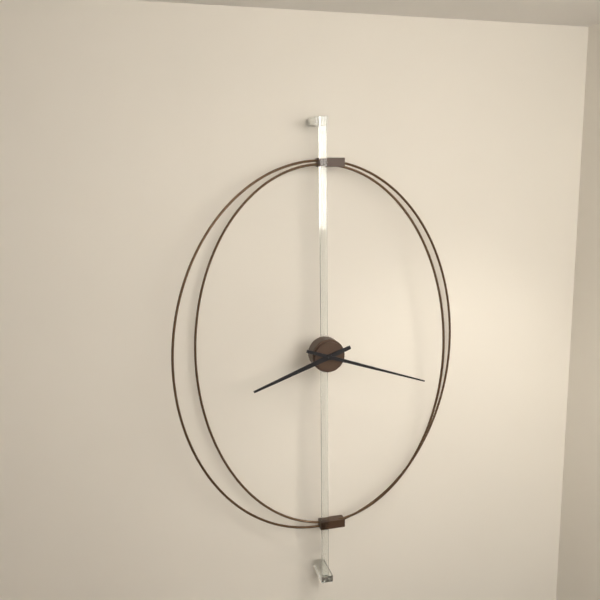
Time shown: {"hour": 8, "minute": 18}
